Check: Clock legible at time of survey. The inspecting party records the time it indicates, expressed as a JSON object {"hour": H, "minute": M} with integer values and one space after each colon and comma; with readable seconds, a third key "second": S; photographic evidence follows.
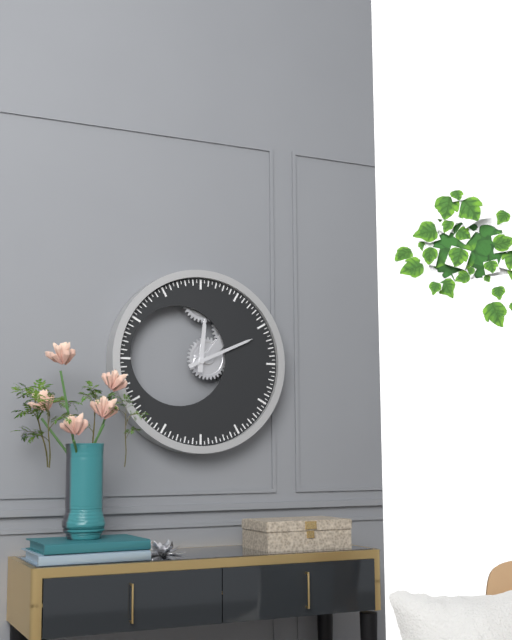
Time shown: {"hour": 12, "minute": 11}
